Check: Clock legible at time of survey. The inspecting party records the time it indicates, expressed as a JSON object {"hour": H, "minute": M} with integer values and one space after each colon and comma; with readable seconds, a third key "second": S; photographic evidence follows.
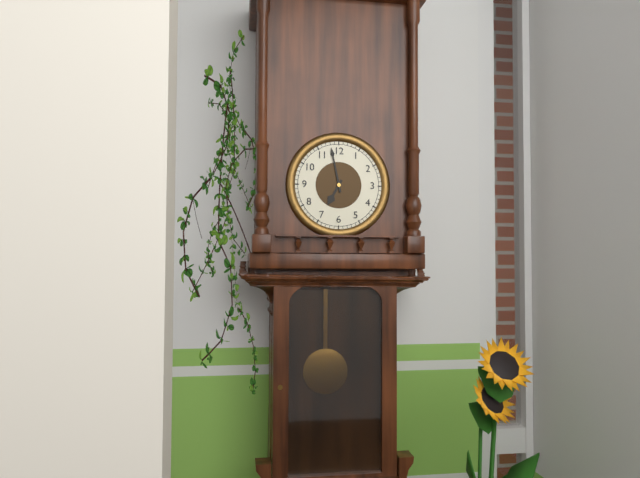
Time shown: {"hour": 6, "minute": 58}
